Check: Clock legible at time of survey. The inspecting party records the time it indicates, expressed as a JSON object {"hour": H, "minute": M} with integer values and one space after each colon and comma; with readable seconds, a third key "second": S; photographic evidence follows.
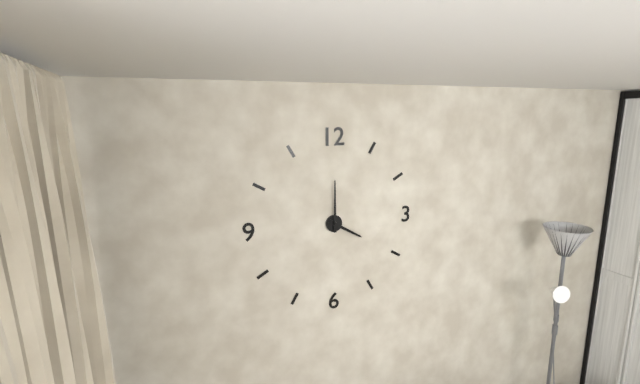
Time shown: {"hour": 4, "minute": 0}
